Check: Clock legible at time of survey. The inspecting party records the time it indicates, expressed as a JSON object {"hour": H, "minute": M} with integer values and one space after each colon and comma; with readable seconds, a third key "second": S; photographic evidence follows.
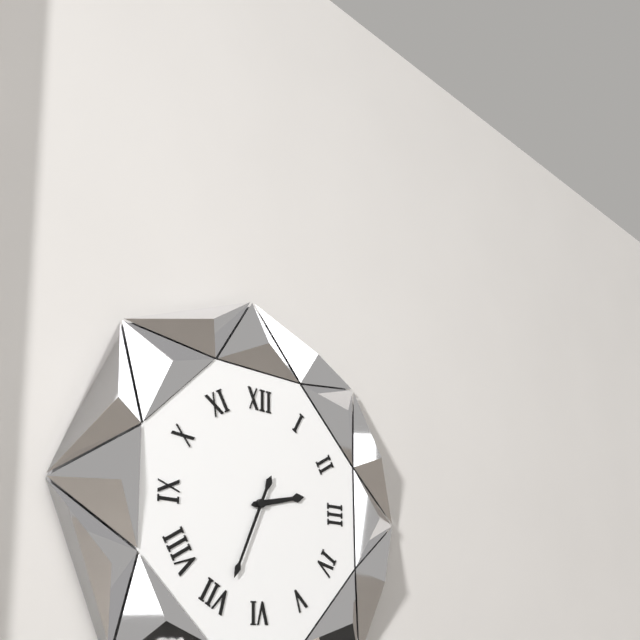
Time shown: {"hour": 2, "minute": 34}
